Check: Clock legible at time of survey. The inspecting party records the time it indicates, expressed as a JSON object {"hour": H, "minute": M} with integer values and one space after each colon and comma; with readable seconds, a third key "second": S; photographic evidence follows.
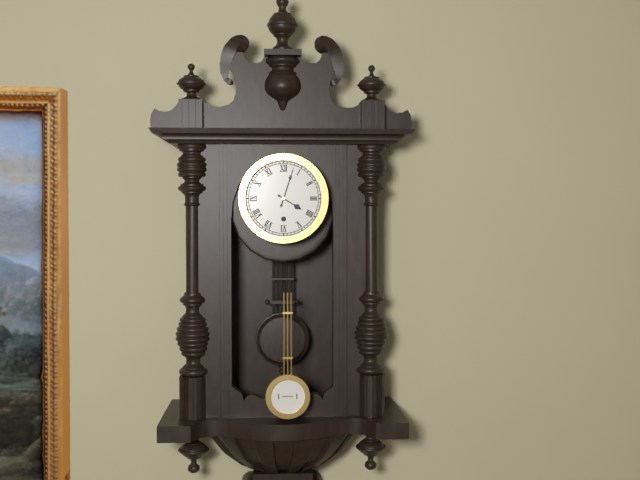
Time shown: {"hour": 4, "minute": 3}
